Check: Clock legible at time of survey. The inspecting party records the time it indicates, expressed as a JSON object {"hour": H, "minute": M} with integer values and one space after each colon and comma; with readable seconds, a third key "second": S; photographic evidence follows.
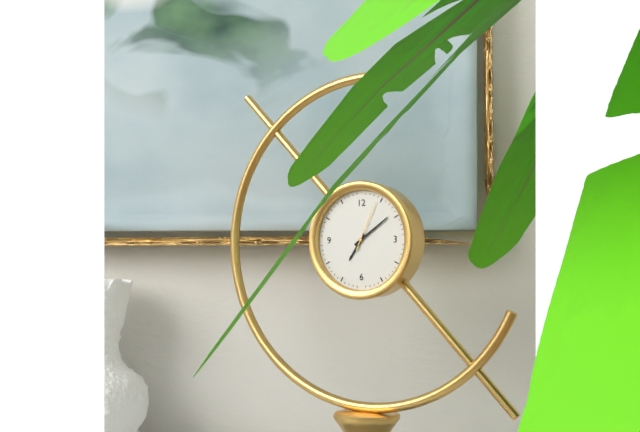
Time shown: {"hour": 7, "minute": 9, "second": 4}
